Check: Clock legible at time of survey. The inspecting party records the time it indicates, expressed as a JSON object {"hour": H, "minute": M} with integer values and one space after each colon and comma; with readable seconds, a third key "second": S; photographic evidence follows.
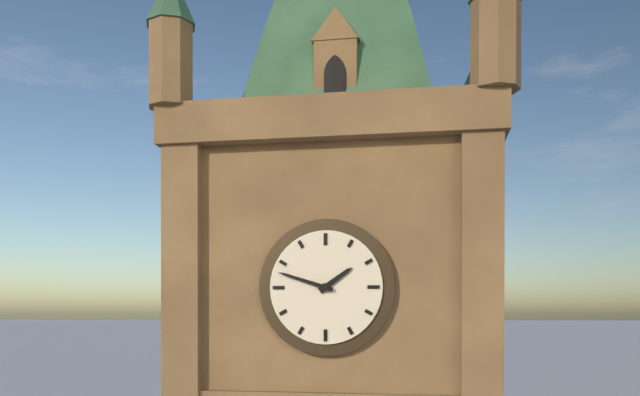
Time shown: {"hour": 1, "minute": 48}
